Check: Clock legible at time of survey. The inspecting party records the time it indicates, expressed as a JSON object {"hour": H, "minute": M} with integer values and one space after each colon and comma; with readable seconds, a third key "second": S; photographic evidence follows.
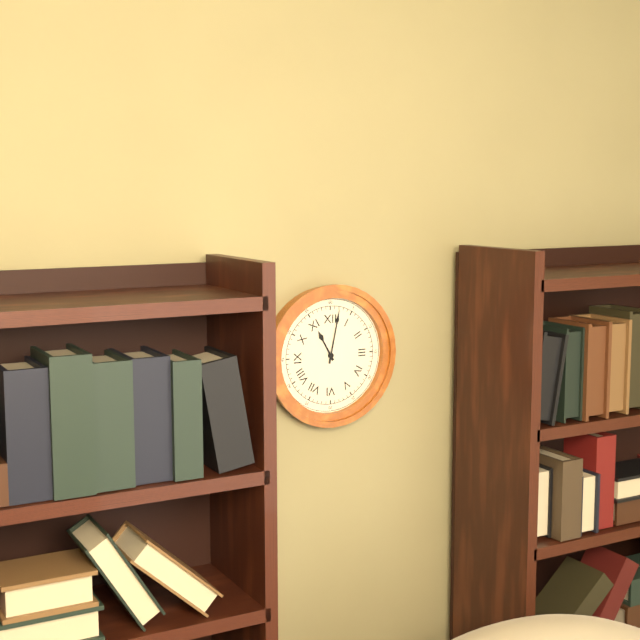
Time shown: {"hour": 11, "minute": 2}
